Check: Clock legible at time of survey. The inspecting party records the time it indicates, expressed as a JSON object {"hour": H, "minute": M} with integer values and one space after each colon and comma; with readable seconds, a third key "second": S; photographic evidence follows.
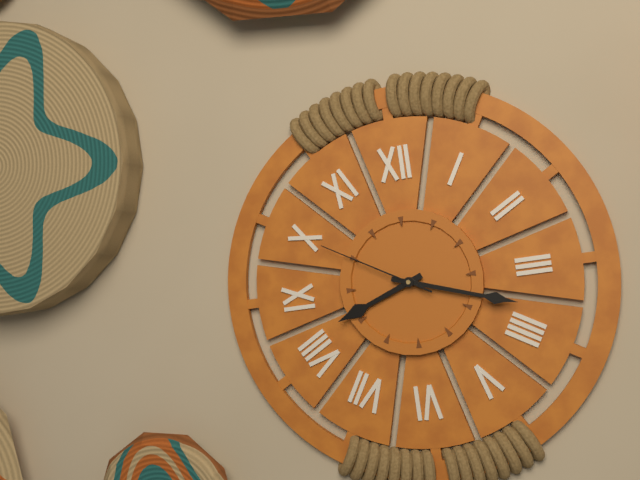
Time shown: {"hour": 8, "minute": 18, "second": 50}
